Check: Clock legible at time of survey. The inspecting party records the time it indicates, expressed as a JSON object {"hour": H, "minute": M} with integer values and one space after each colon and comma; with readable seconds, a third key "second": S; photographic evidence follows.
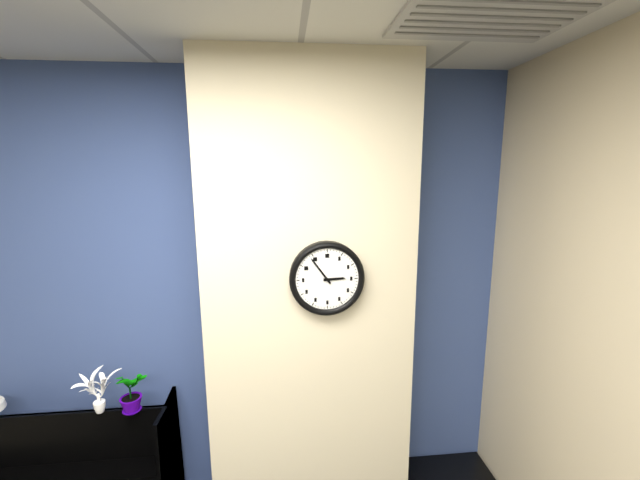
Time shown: {"hour": 2, "minute": 54}
